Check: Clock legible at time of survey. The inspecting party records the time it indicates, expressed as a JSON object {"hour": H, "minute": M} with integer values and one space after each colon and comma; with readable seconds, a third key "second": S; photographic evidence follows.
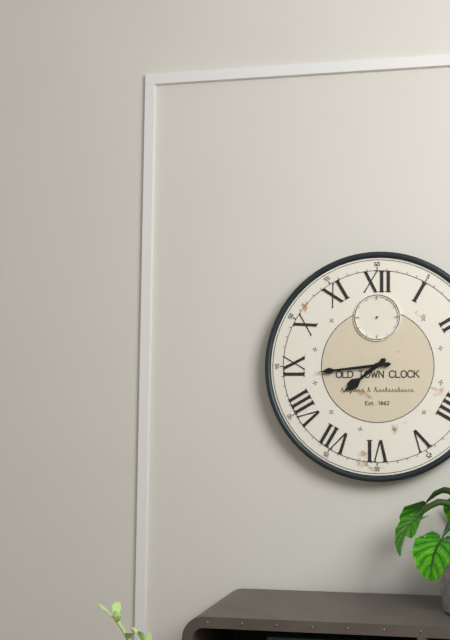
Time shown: {"hour": 7, "minute": 44}
